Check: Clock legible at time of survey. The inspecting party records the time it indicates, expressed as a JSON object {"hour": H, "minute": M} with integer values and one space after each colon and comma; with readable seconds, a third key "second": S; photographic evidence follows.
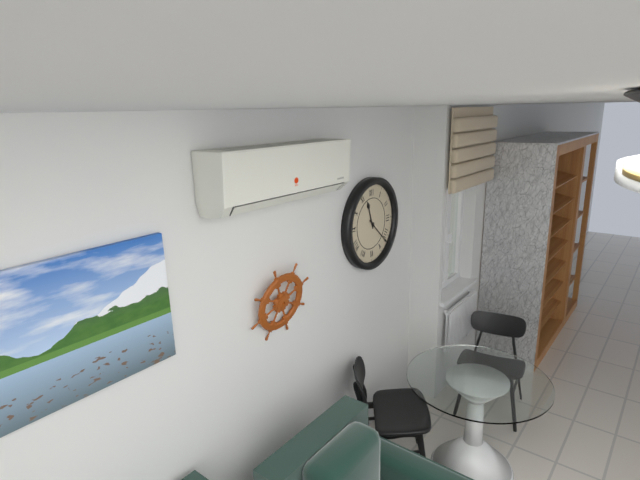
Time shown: {"hour": 11, "minute": 22}
